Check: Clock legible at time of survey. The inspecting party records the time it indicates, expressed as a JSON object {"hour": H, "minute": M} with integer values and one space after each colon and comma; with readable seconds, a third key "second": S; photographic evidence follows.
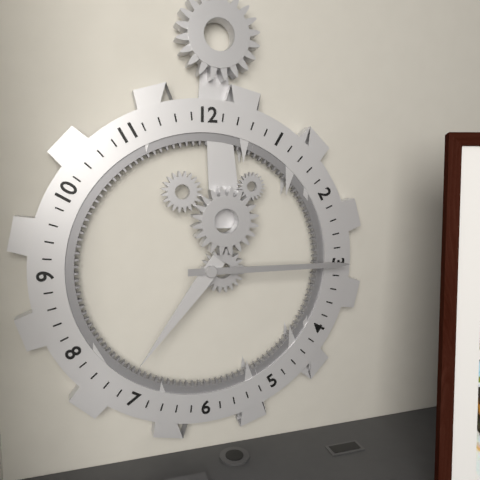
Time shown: {"hour": 7, "minute": 15}
